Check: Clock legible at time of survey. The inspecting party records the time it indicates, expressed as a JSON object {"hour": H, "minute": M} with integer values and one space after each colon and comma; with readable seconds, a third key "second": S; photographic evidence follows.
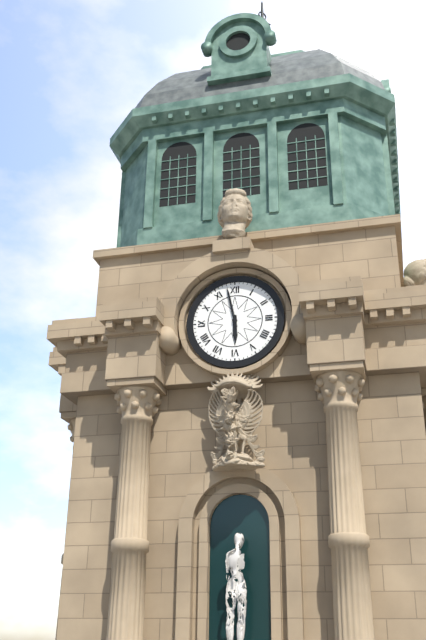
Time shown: {"hour": 5, "minute": 58}
